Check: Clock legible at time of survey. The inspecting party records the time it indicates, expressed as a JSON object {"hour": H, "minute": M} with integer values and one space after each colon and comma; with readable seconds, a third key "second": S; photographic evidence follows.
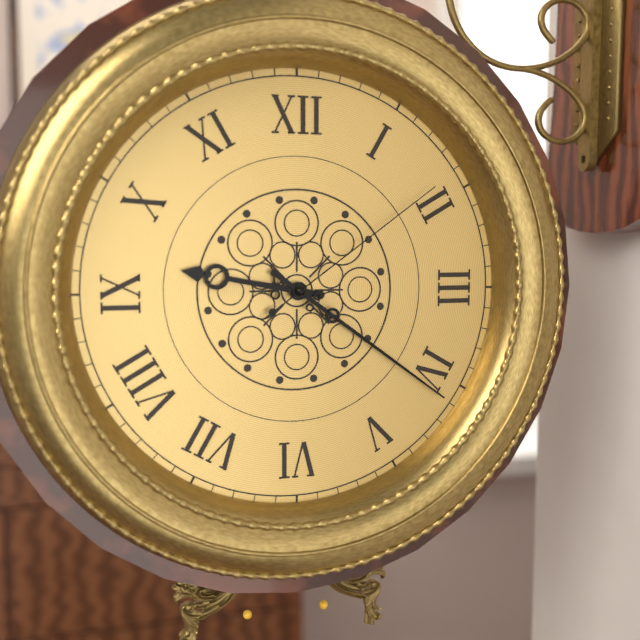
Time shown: {"hour": 9, "minute": 21, "second": 9}
